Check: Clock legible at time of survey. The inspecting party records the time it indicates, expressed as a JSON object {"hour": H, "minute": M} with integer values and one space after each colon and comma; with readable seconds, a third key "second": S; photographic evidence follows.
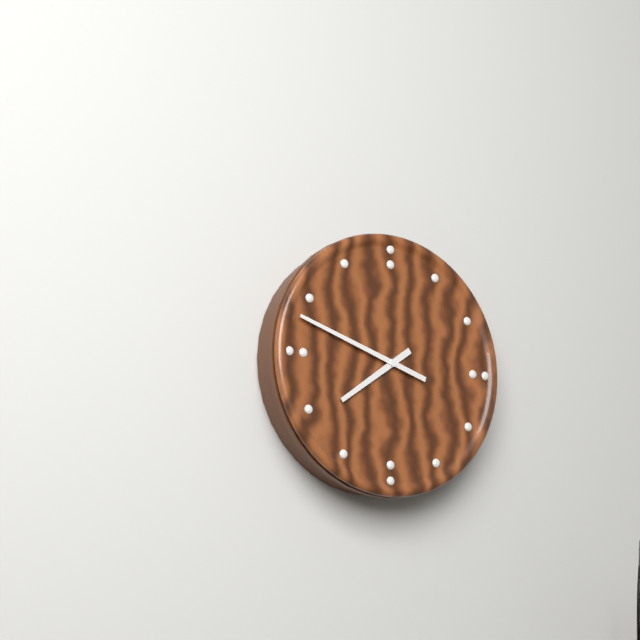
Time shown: {"hour": 7, "minute": 48}
